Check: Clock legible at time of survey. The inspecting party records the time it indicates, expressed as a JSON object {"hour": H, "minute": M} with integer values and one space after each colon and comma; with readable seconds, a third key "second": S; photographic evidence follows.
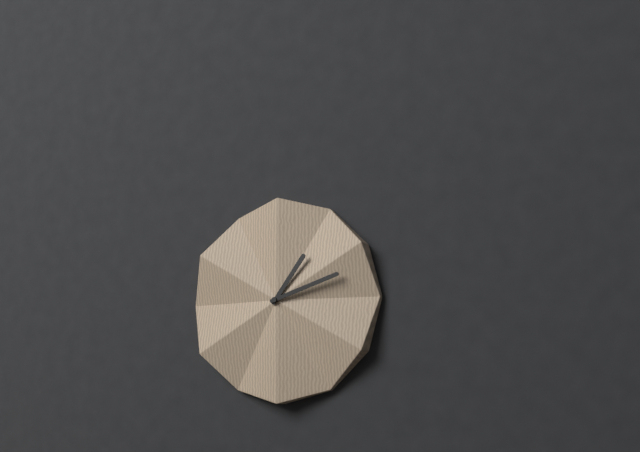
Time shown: {"hour": 1, "minute": 12}
